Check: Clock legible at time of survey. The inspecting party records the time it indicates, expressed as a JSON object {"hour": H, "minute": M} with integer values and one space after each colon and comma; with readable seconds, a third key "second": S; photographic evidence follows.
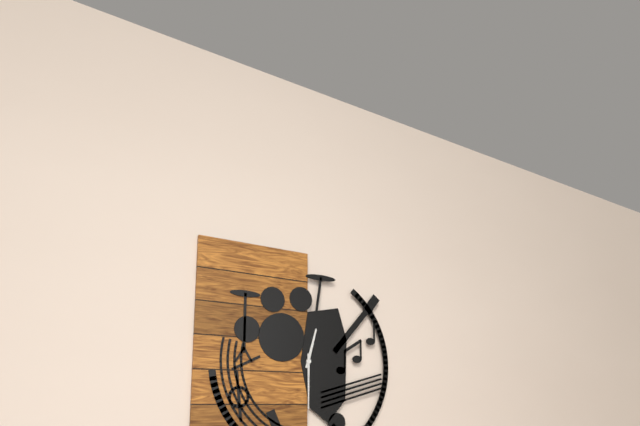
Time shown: {"hour": 12, "minute": 30}
